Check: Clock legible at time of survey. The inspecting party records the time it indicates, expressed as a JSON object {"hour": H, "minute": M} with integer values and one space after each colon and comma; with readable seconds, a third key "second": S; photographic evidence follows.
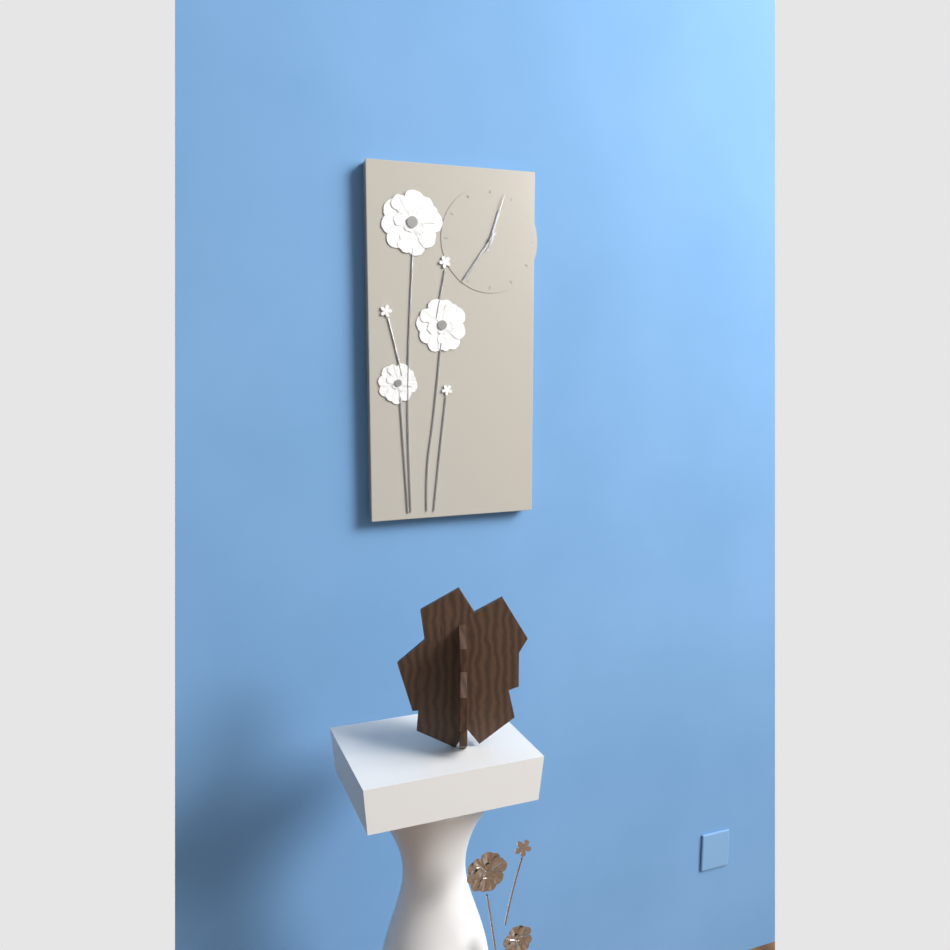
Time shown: {"hour": 12, "minute": 36, "second": 3}
